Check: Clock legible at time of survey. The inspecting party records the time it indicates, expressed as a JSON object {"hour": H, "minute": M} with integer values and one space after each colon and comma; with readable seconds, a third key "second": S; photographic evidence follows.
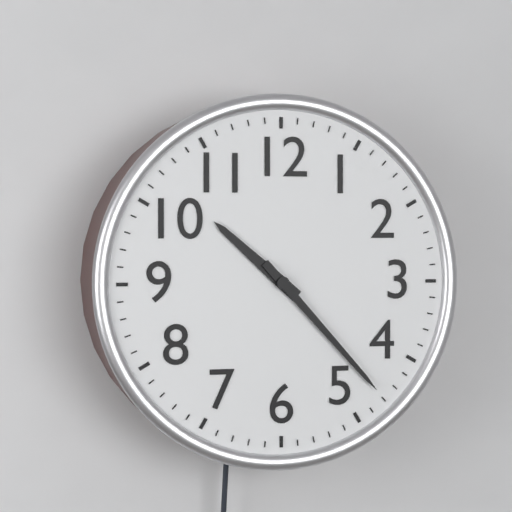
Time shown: {"hour": 10, "minute": 23}
